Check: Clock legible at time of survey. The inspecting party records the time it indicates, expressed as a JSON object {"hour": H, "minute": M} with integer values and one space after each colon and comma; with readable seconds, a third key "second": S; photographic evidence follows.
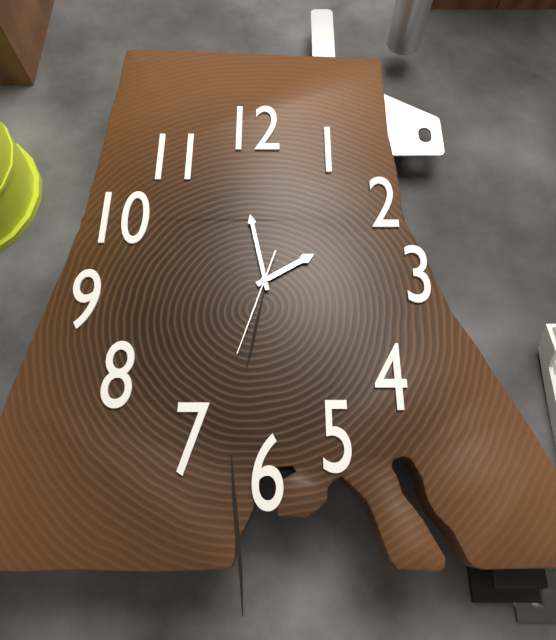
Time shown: {"hour": 1, "minute": 58, "second": 33}
